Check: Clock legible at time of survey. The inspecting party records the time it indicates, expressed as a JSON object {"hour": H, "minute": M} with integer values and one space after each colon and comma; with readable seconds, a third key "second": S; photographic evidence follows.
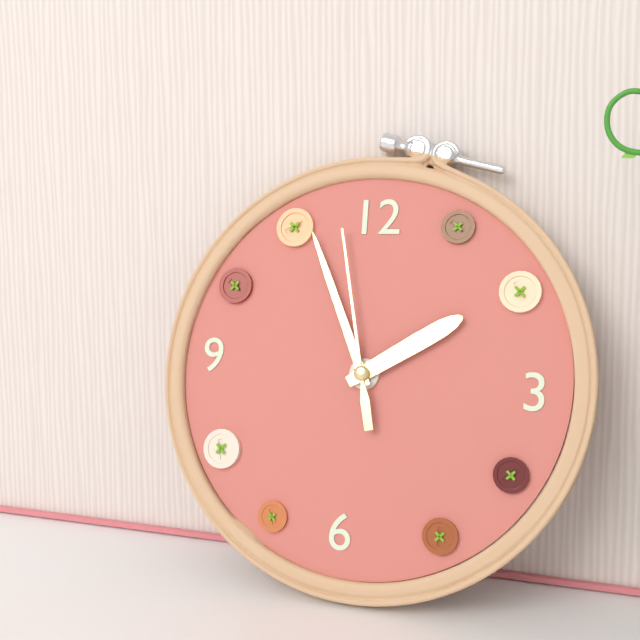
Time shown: {"hour": 1, "minute": 56, "second": 58}
